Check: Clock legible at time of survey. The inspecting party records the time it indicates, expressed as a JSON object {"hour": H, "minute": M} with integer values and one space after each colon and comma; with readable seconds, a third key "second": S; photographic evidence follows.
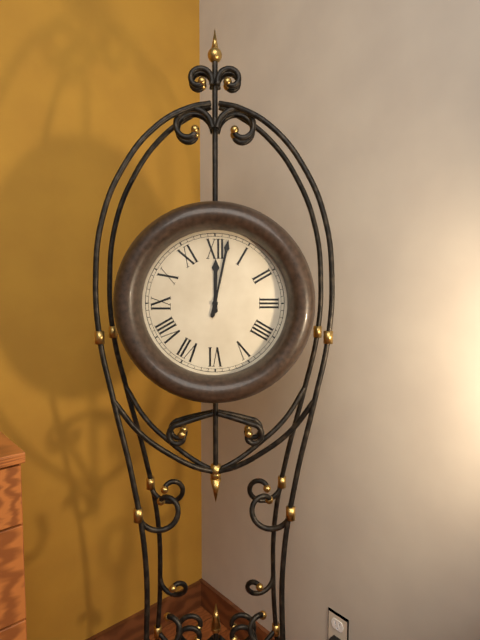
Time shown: {"hour": 12, "minute": 2}
